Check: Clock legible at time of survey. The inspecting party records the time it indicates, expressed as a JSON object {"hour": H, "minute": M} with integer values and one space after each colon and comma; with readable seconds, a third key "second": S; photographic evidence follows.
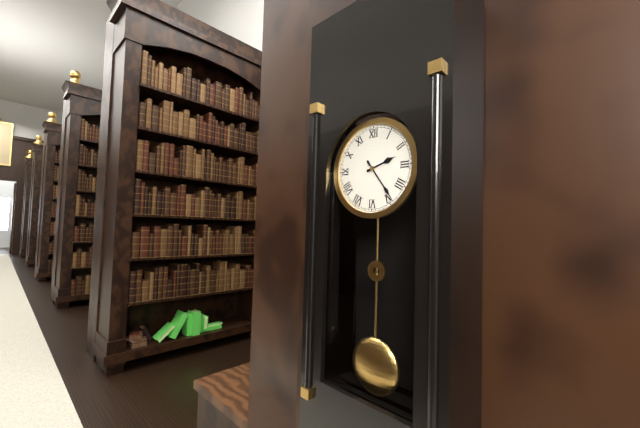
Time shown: {"hour": 2, "minute": 24}
